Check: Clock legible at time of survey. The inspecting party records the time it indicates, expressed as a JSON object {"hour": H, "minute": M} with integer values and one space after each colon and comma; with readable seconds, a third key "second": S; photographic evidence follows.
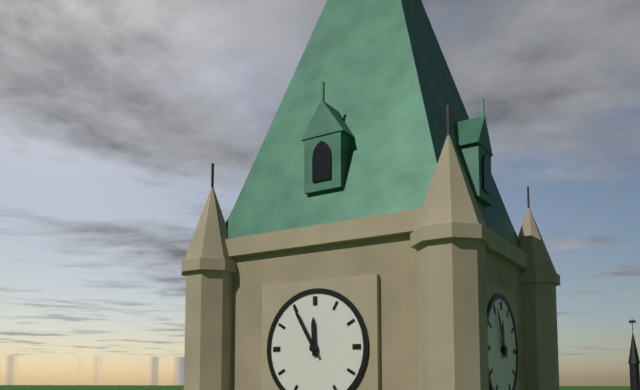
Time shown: {"hour": 11, "minute": 55}
